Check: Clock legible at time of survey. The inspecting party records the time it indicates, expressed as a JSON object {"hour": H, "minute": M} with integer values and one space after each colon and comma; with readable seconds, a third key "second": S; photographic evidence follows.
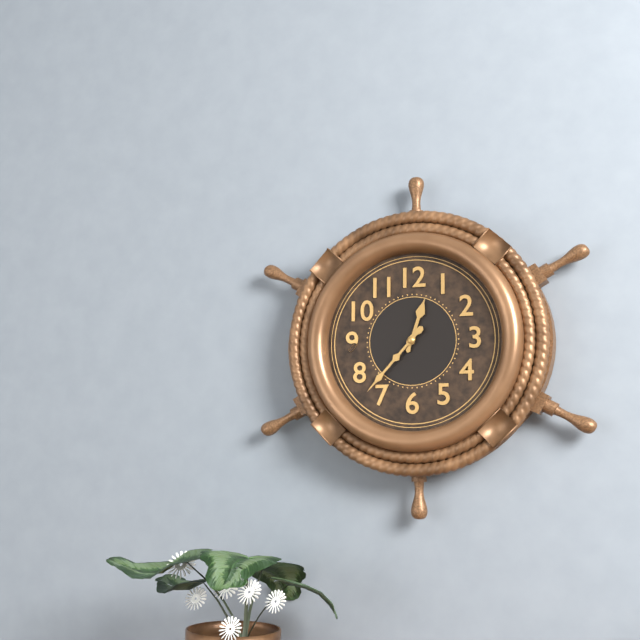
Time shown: {"hour": 12, "minute": 37}
